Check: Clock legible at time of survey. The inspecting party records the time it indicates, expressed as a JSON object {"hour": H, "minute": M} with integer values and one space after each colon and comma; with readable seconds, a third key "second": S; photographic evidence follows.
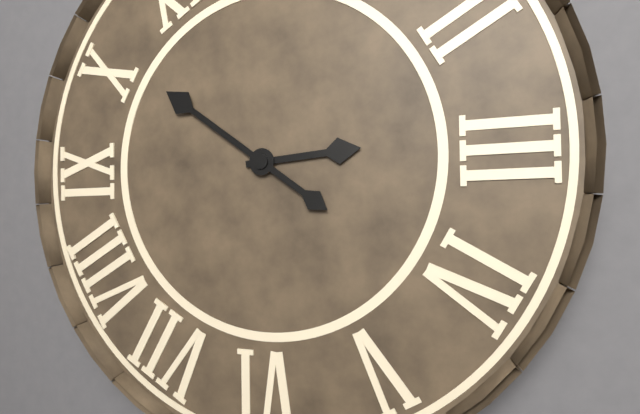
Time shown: {"hour": 2, "minute": 51}
